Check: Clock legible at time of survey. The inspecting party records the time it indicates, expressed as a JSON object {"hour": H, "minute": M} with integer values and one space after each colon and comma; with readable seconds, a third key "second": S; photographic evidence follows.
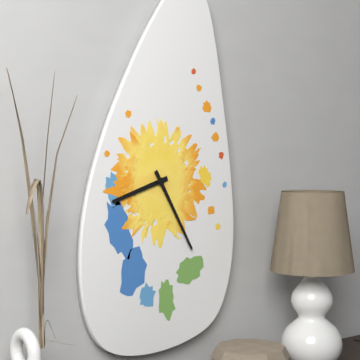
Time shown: {"hour": 8, "minute": 25}
